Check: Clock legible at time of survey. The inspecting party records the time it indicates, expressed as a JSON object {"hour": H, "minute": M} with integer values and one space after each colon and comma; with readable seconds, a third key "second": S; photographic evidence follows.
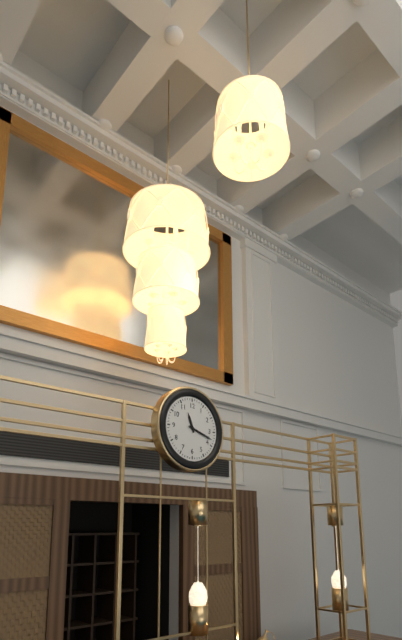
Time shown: {"hour": 11, "minute": 18}
